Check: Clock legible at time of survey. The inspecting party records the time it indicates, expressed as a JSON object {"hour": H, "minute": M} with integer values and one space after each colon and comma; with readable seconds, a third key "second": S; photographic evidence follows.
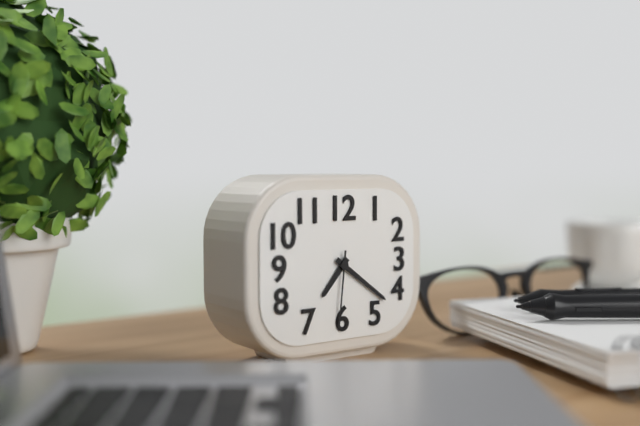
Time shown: {"hour": 7, "minute": 21, "second": 31}
